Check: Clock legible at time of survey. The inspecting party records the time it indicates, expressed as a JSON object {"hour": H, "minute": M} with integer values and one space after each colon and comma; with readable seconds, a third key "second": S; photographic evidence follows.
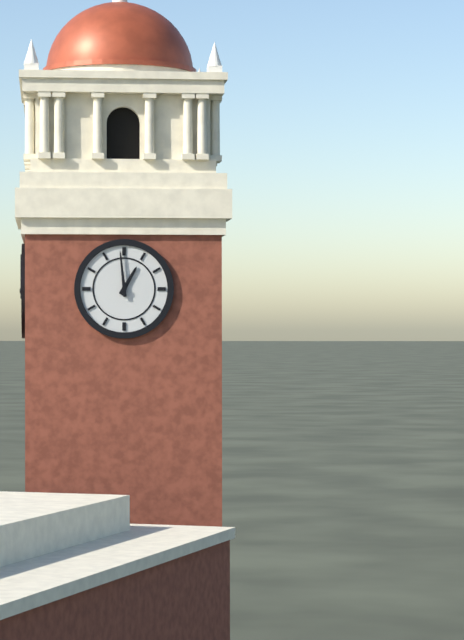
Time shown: {"hour": 12, "minute": 59}
